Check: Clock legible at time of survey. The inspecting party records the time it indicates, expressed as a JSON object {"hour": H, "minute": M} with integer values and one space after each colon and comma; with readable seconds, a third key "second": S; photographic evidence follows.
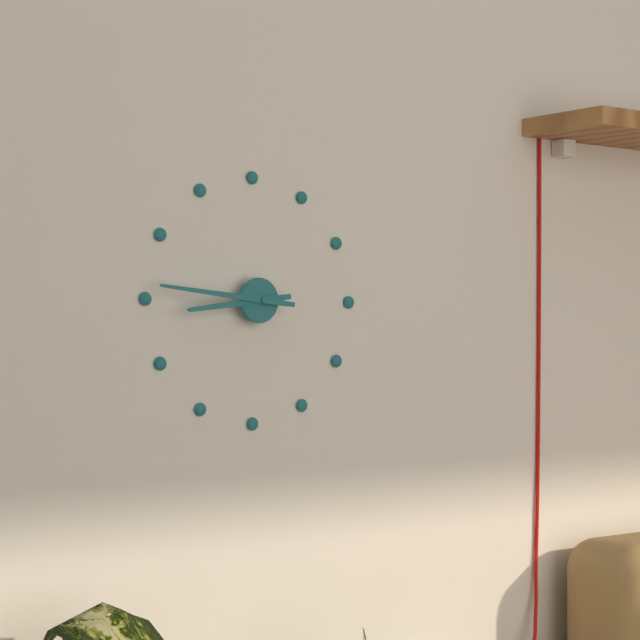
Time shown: {"hour": 8, "minute": 46}
